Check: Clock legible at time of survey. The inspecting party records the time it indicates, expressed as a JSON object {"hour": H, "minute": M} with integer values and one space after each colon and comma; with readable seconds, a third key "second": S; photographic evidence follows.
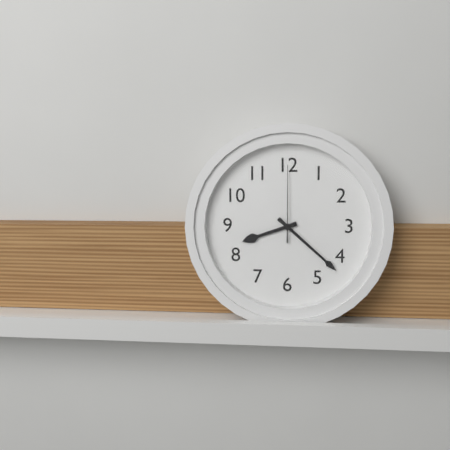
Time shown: {"hour": 8, "minute": 22, "second": 0}
